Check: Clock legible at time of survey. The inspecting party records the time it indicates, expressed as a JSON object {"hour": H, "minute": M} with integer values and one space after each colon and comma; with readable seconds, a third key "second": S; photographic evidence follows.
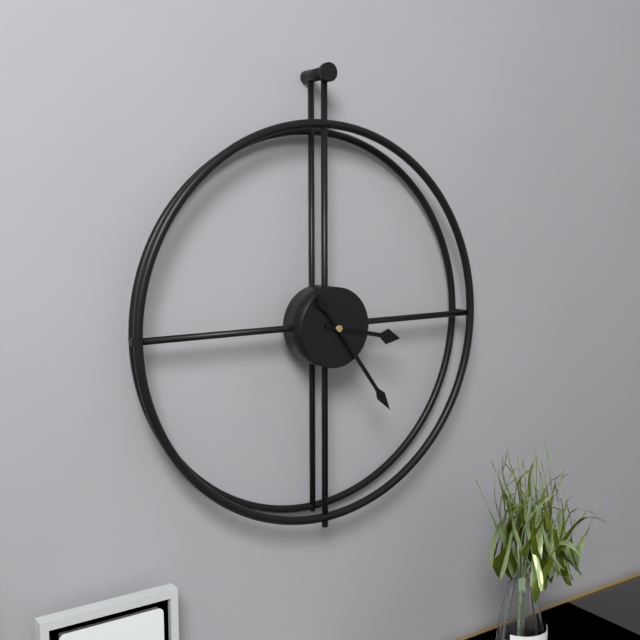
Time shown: {"hour": 3, "minute": 24}
